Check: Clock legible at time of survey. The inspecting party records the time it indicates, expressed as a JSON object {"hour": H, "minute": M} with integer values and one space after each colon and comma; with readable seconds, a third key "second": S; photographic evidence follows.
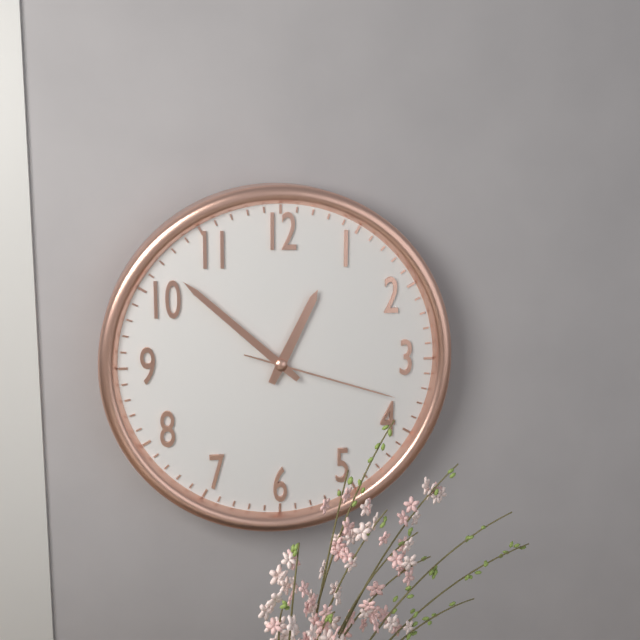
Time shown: {"hour": 12, "minute": 52, "second": 18}
